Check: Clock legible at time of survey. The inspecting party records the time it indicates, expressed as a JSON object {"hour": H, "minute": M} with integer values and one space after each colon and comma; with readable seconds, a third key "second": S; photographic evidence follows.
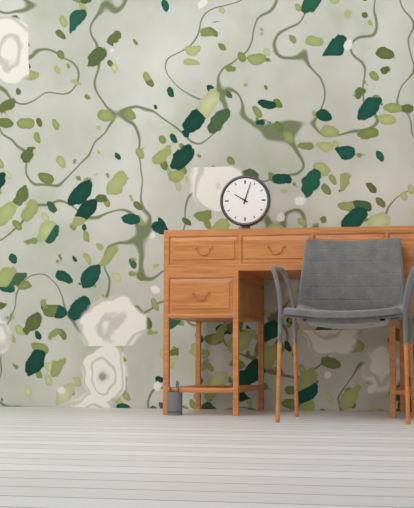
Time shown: {"hour": 10, "minute": 3}
